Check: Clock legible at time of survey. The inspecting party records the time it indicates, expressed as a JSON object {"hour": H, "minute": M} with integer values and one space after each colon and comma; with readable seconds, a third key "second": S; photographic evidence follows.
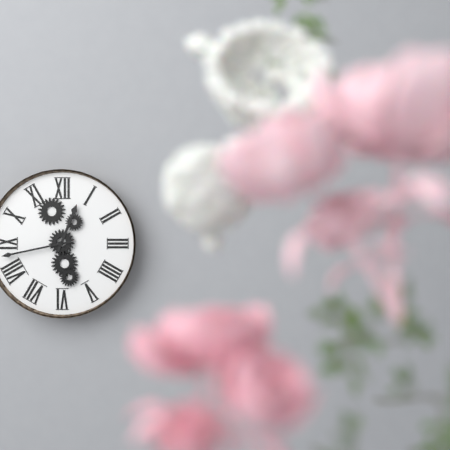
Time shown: {"hour": 12, "minute": 43}
